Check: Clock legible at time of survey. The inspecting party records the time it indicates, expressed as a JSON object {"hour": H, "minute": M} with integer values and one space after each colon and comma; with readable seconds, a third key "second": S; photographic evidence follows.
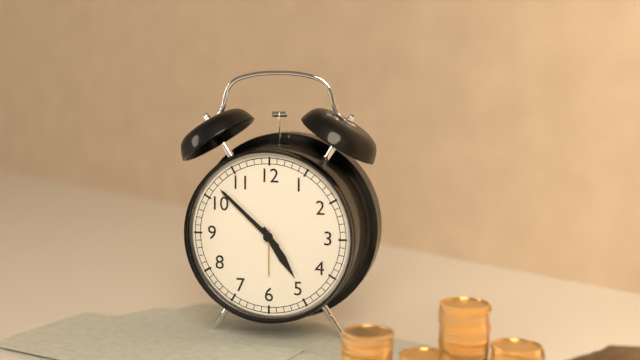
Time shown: {"hour": 4, "minute": 52}
